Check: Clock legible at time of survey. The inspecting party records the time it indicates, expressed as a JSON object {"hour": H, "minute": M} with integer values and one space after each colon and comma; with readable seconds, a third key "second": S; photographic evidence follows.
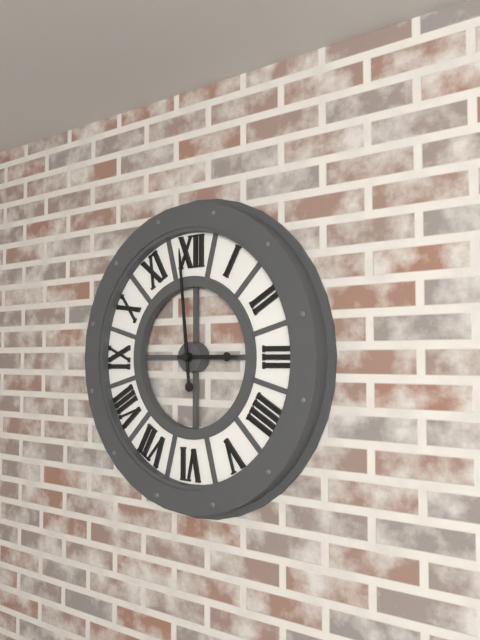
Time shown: {"hour": 2, "minute": 59}
